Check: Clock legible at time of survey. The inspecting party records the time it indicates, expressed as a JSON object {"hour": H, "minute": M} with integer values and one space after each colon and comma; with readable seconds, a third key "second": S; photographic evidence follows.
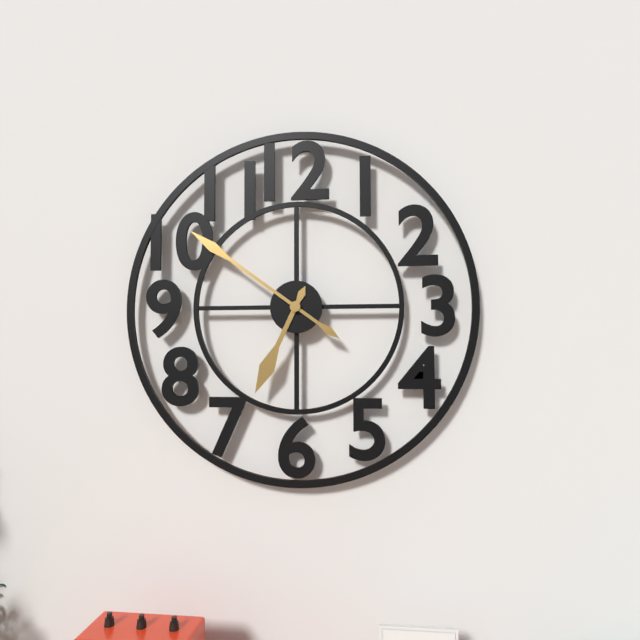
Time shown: {"hour": 6, "minute": 51}
